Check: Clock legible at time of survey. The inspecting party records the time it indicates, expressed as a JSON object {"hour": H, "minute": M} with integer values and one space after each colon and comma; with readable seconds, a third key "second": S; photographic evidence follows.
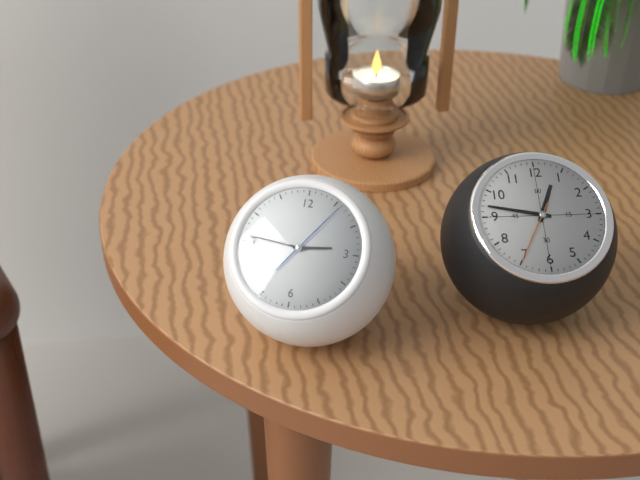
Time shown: {"hour": 2, "minute": 46, "second": 6}
